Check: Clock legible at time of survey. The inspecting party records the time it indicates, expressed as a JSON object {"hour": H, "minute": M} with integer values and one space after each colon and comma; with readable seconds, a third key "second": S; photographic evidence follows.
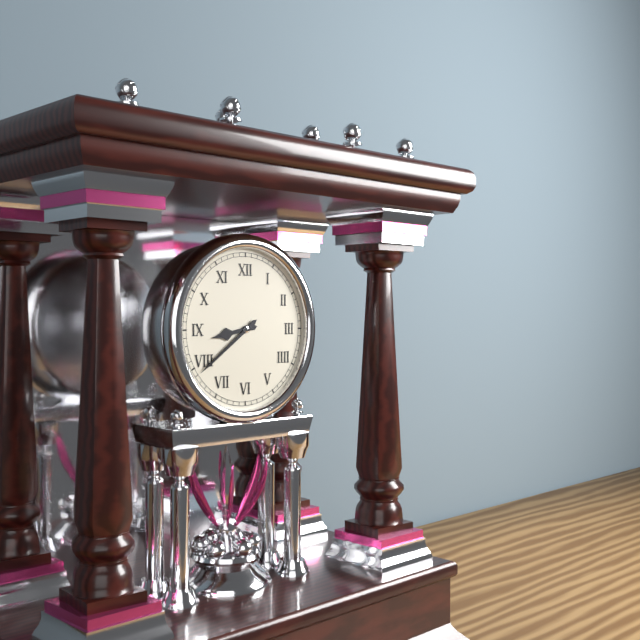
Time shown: {"hour": 8, "minute": 39}
